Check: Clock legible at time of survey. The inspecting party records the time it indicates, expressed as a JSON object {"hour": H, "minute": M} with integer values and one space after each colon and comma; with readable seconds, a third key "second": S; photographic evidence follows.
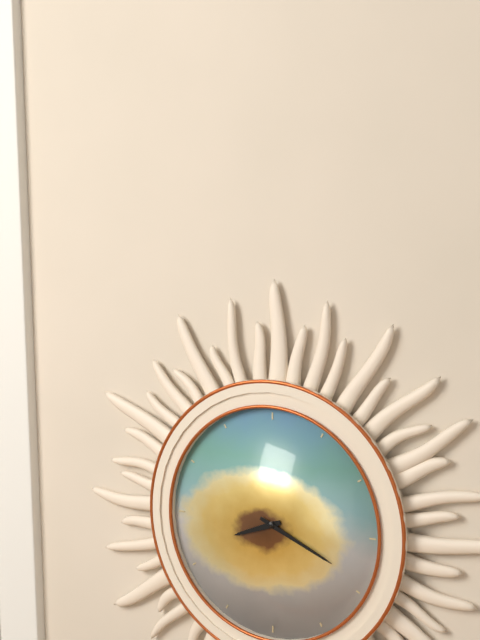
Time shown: {"hour": 8, "minute": 19}
